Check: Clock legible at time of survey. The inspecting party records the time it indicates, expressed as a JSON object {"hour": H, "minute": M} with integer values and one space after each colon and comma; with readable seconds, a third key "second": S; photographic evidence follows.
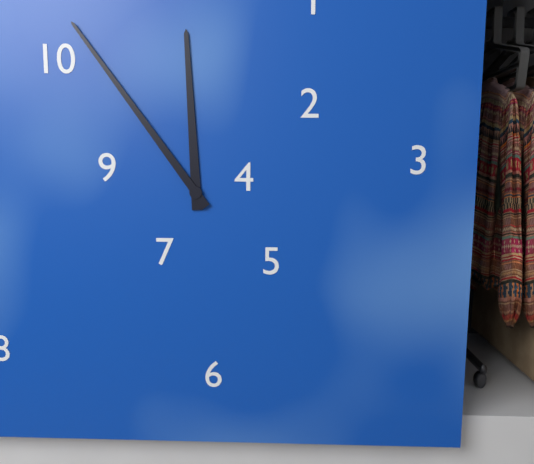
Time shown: {"hour": 11, "minute": 54}
